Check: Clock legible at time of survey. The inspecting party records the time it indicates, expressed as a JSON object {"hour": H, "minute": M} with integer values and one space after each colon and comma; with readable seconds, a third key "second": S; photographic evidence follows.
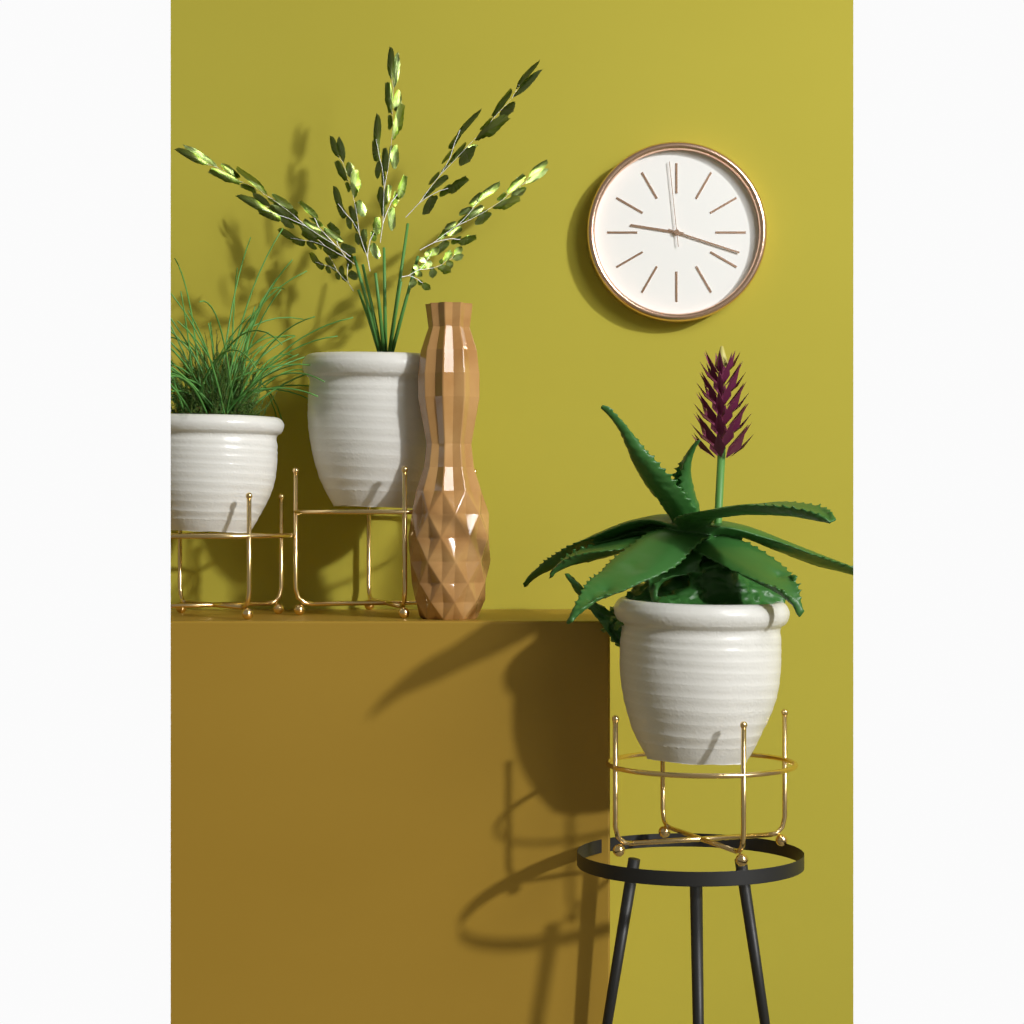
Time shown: {"hour": 9, "minute": 18, "second": 59}
